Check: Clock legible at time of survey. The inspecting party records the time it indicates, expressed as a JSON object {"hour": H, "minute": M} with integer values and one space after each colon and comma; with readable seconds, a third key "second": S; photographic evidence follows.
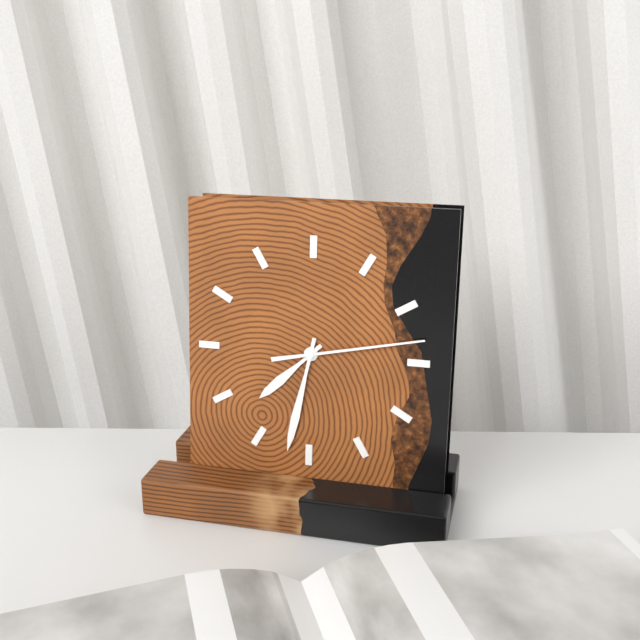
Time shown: {"hour": 7, "minute": 32, "second": 13}
